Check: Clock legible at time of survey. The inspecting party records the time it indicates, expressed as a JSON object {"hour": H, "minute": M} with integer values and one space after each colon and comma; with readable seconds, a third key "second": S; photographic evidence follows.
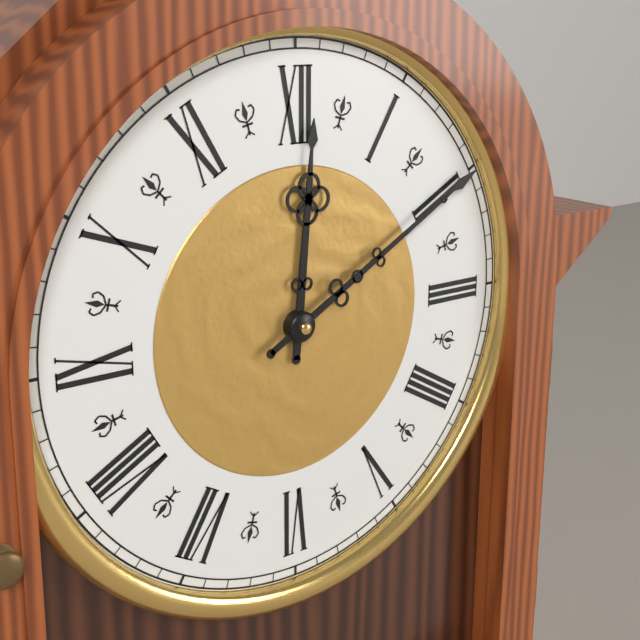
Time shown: {"hour": 12, "minute": 10}
